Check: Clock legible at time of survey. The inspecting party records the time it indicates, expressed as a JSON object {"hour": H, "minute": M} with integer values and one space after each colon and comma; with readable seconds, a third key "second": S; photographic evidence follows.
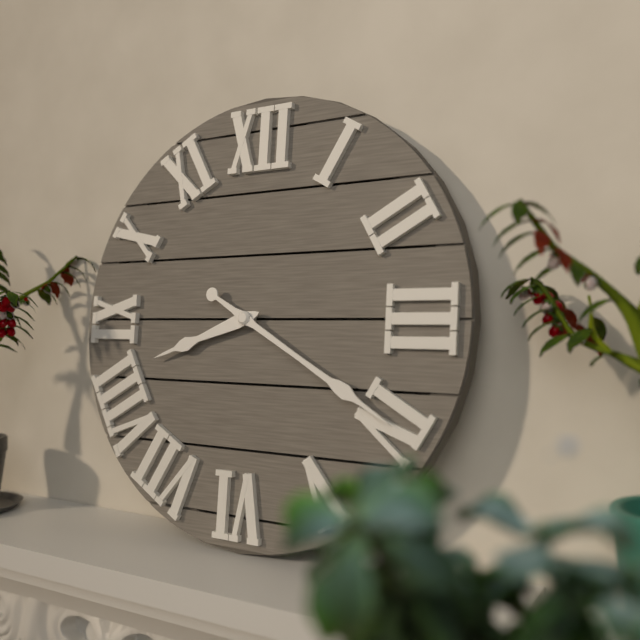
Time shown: {"hour": 8, "minute": 20}
